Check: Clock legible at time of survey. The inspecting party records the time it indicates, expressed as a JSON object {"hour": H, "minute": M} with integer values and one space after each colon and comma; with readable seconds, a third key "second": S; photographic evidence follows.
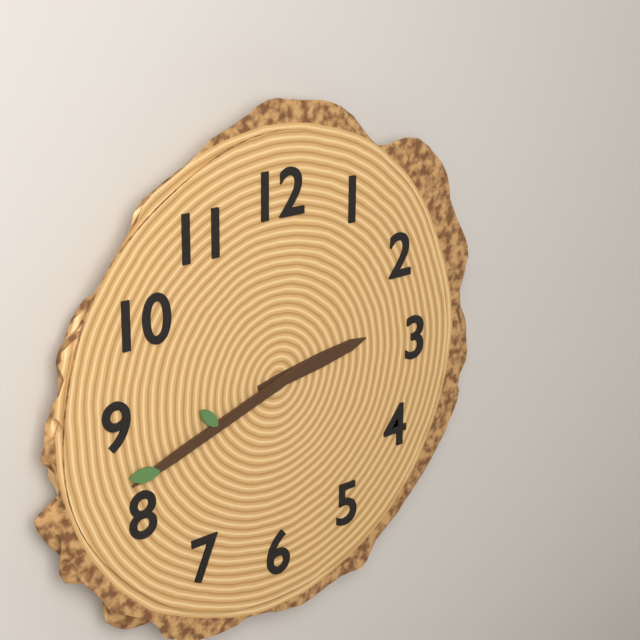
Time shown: {"hour": 2, "minute": 42}
